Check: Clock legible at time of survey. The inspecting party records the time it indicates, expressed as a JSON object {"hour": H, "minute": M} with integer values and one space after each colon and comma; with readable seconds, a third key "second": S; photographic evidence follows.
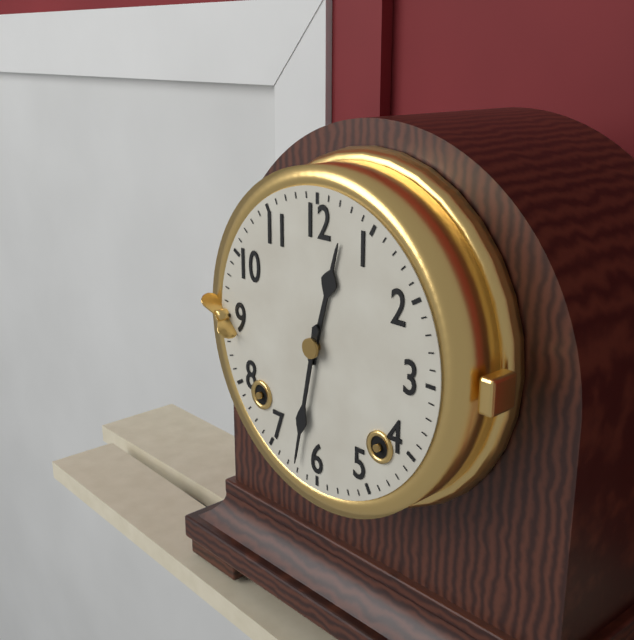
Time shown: {"hour": 12, "minute": 32}
